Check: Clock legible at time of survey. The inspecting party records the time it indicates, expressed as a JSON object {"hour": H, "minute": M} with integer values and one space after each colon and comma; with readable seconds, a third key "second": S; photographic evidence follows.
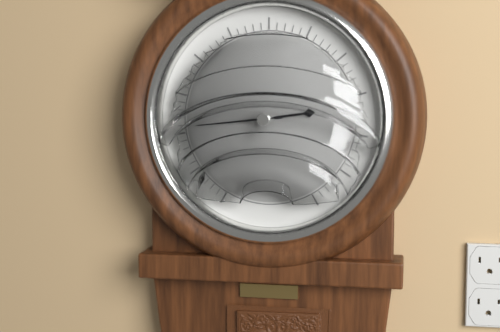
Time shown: {"hour": 2, "minute": 44}
